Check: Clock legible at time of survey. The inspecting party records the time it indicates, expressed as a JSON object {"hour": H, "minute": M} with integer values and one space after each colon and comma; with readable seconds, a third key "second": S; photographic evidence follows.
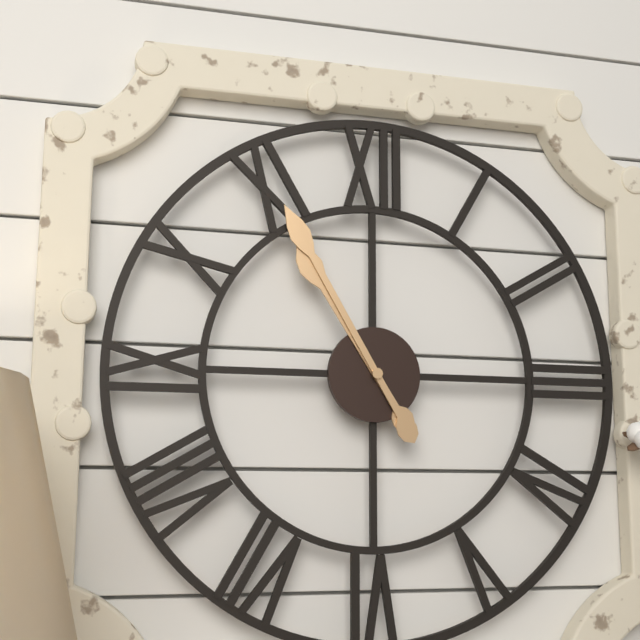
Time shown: {"hour": 10, "minute": 55}
